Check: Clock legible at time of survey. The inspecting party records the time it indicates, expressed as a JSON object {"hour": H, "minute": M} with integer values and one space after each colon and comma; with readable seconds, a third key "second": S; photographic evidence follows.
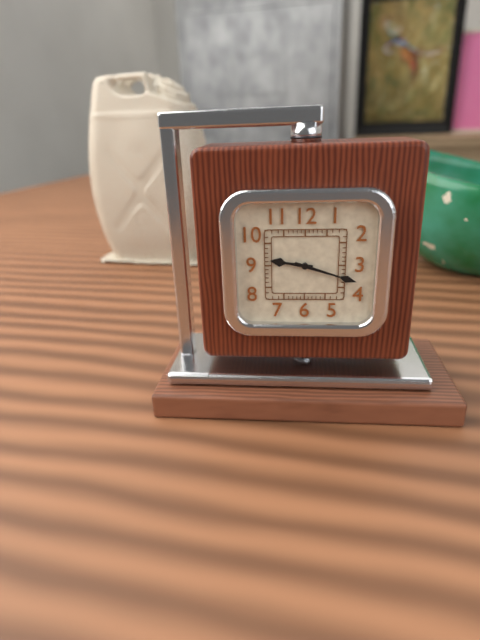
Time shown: {"hour": 9, "minute": 18}
